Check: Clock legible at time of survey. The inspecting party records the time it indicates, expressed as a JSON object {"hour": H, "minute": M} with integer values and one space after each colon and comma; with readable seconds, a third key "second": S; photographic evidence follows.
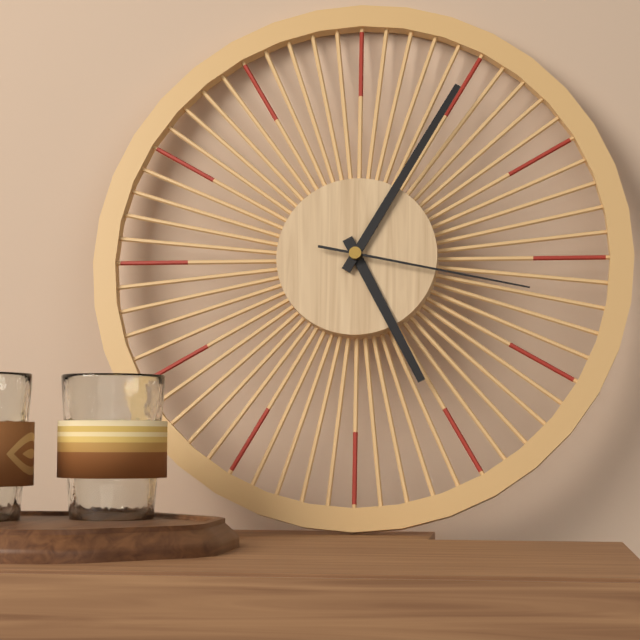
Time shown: {"hour": 5, "minute": 5, "second": 17}
